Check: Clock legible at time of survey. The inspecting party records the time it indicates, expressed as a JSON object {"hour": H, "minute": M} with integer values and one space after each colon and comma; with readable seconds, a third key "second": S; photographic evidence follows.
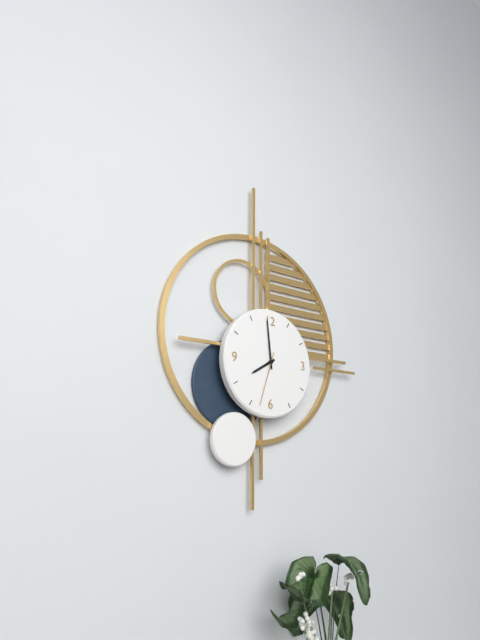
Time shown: {"hour": 7, "minute": 59, "second": 33}
